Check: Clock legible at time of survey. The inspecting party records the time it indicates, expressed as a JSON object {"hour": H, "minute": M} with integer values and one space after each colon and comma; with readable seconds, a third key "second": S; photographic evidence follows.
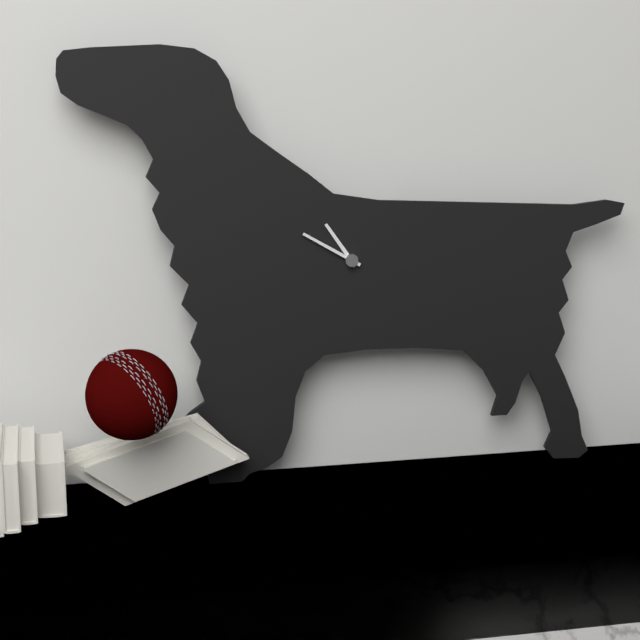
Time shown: {"hour": 10, "minute": 50}
